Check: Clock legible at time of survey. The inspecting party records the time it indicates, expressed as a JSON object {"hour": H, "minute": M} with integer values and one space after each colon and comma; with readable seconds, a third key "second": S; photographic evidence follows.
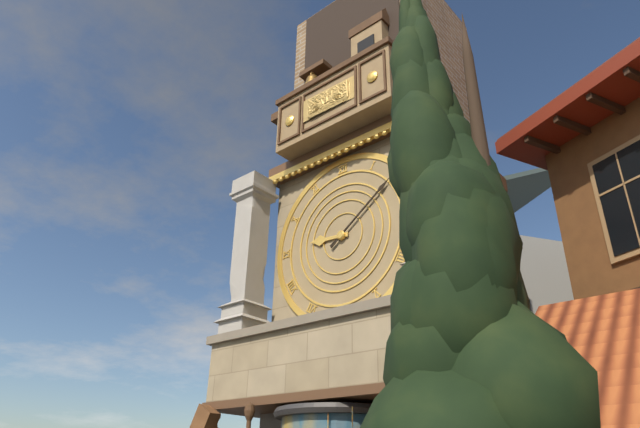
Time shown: {"hour": 9, "minute": 9}
